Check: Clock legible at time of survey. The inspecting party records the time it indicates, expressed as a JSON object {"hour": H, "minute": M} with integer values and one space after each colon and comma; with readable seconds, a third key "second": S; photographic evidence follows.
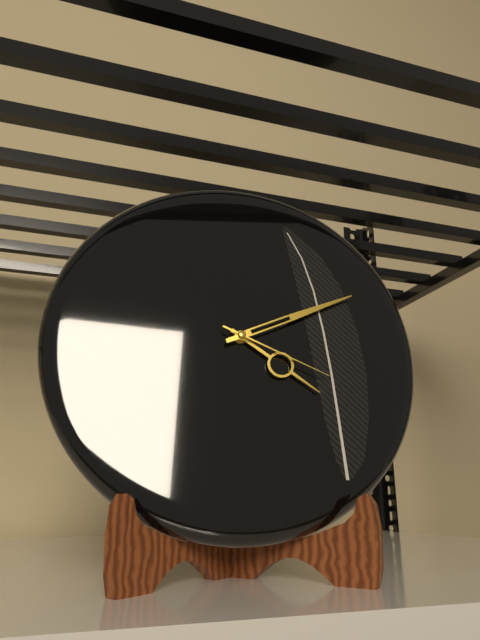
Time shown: {"hour": 4, "minute": 11, "second": 19}
